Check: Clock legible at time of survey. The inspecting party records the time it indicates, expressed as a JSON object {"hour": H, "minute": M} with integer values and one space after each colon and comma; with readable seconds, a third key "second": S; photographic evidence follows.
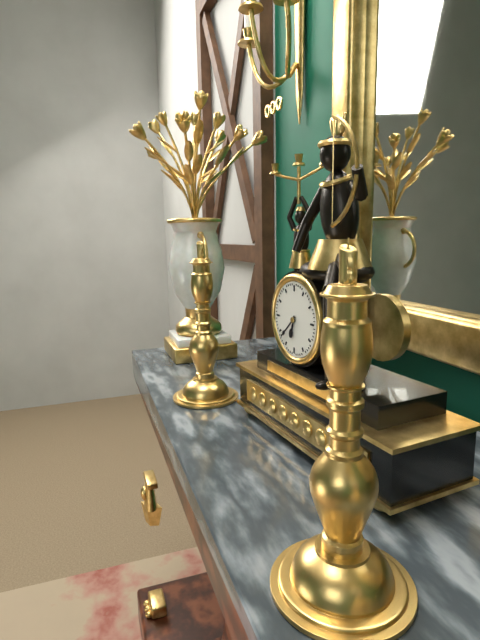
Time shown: {"hour": 6, "minute": 38}
